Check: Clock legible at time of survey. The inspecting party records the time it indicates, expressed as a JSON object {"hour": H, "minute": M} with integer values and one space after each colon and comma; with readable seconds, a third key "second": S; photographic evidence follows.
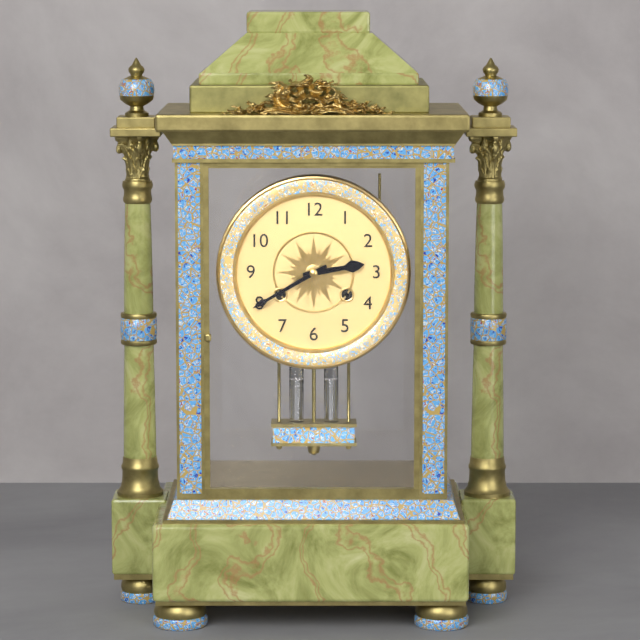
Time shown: {"hour": 2, "minute": 40}
